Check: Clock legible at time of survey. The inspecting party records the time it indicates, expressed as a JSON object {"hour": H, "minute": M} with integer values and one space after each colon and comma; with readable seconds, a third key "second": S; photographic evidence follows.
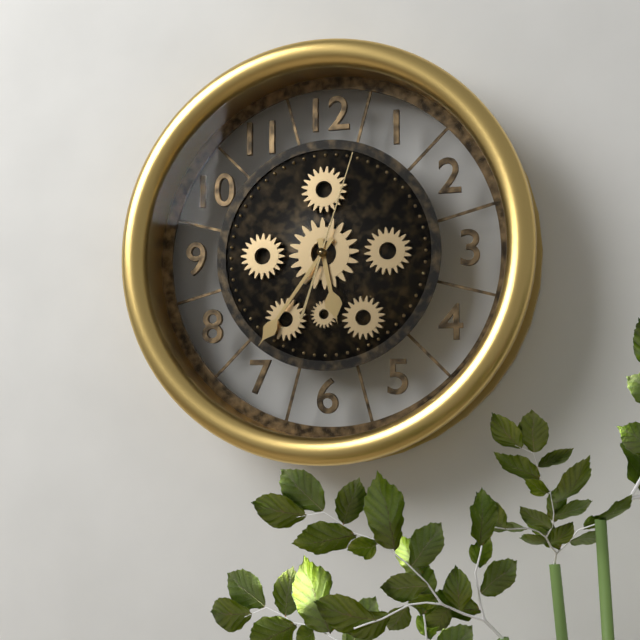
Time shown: {"hour": 5, "minute": 36, "second": 3}
